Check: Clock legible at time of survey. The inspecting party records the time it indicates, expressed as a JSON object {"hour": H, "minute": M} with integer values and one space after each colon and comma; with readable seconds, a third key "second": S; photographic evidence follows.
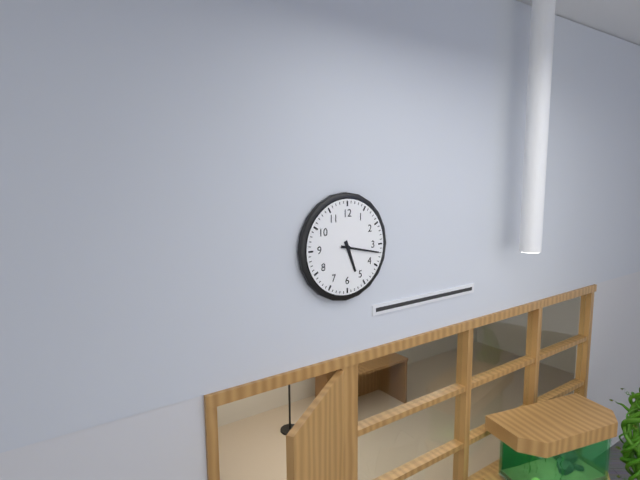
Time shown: {"hour": 5, "minute": 17}
